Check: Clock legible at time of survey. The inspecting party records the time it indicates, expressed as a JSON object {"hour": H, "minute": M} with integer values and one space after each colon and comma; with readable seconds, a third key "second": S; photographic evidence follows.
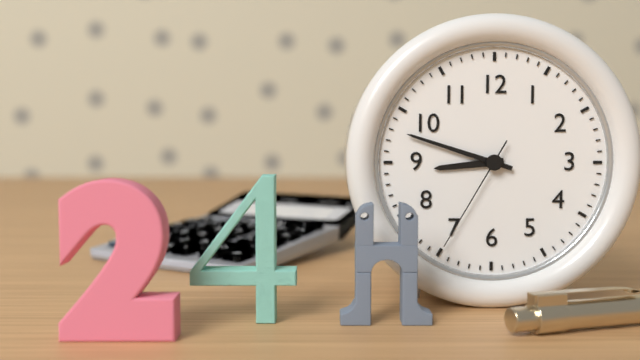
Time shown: {"hour": 8, "minute": 48, "second": 35}
